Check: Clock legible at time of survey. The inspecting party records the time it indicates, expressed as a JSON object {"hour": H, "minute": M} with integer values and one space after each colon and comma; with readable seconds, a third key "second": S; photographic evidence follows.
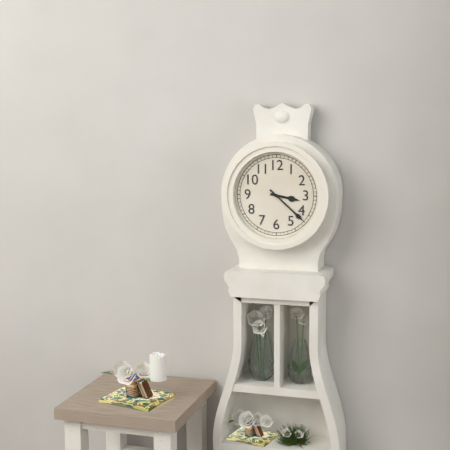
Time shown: {"hour": 3, "minute": 22}
